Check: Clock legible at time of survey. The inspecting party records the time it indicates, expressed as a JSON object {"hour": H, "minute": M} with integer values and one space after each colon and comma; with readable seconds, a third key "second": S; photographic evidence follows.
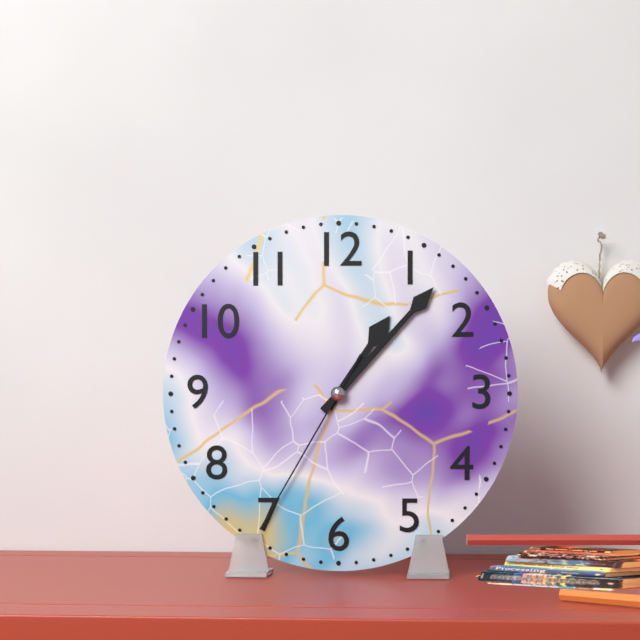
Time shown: {"hour": 1, "minute": 7, "second": 35}
